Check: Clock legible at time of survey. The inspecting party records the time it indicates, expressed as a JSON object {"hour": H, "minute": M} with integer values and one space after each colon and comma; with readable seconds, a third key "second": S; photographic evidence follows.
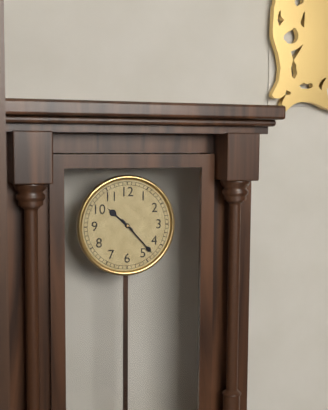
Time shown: {"hour": 10, "minute": 23}
